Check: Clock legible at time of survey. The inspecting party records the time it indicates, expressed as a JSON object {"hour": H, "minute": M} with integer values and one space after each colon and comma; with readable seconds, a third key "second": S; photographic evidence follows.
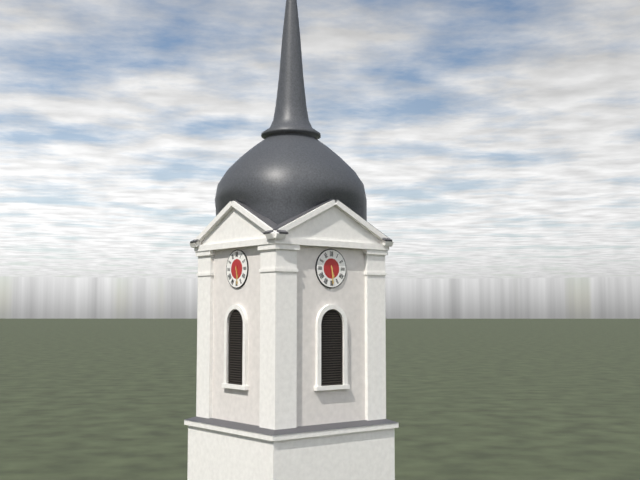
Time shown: {"hour": 5, "minute": 29}
